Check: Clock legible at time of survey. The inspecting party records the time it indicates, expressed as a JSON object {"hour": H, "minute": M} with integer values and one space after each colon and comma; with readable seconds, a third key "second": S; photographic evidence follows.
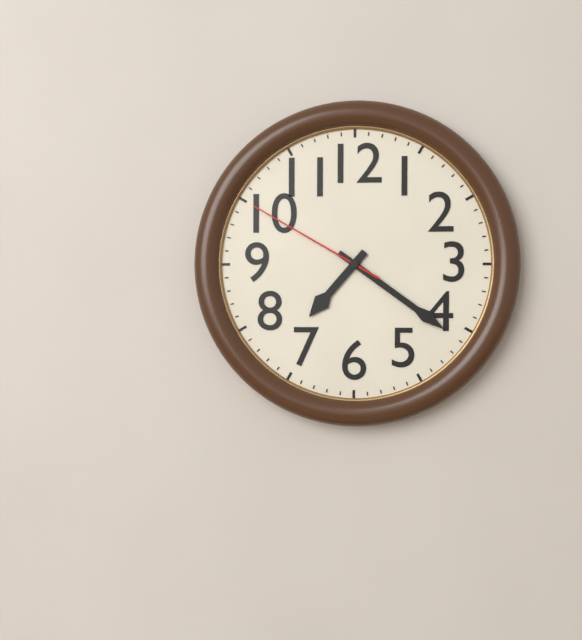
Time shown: {"hour": 7, "minute": 21, "second": 50}
